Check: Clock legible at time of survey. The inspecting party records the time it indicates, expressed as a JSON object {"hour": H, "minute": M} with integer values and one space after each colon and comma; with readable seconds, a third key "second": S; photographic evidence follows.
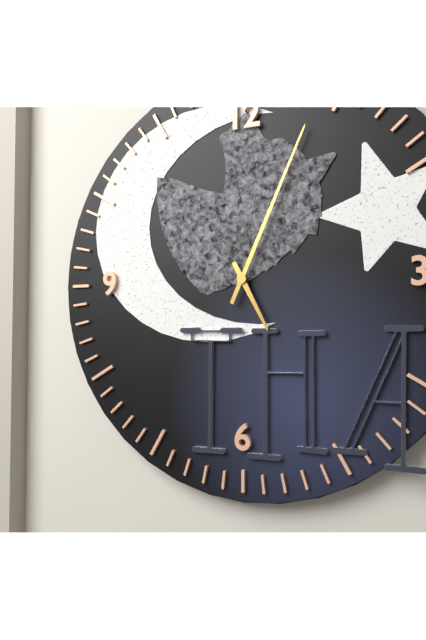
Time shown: {"hour": 5, "minute": 4}
